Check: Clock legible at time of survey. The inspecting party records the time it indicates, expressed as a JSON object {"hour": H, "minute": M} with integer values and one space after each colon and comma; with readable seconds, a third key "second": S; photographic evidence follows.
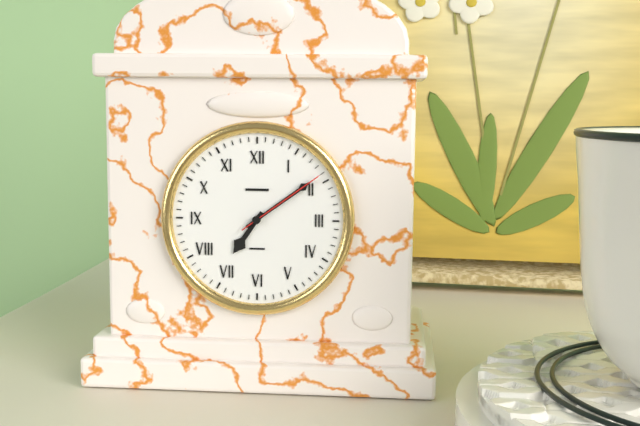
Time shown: {"hour": 7, "minute": 9, "second": 9}
